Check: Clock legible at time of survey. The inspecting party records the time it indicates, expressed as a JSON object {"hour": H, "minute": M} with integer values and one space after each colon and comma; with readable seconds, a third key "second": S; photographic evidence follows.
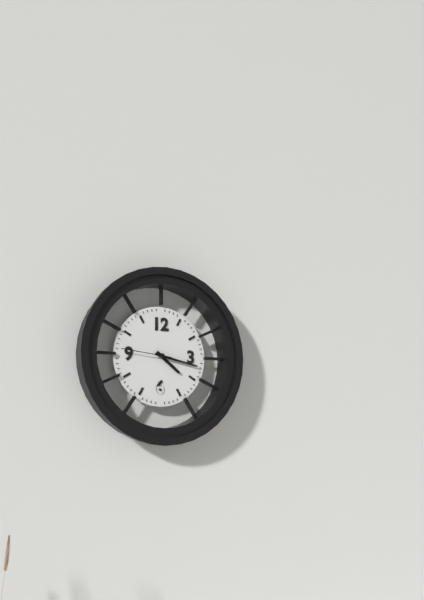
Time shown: {"hour": 4, "minute": 17, "second": 46}
